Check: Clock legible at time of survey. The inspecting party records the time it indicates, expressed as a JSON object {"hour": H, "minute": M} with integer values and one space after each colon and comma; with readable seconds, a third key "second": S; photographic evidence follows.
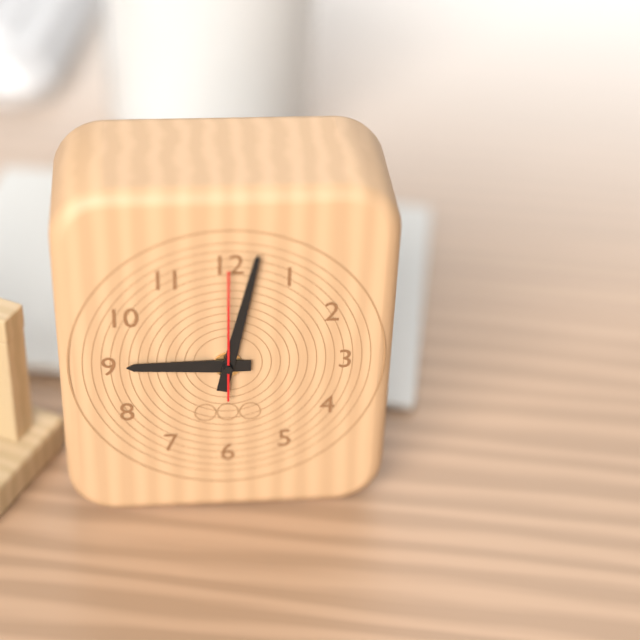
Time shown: {"hour": 9, "minute": 2, "second": 0}
